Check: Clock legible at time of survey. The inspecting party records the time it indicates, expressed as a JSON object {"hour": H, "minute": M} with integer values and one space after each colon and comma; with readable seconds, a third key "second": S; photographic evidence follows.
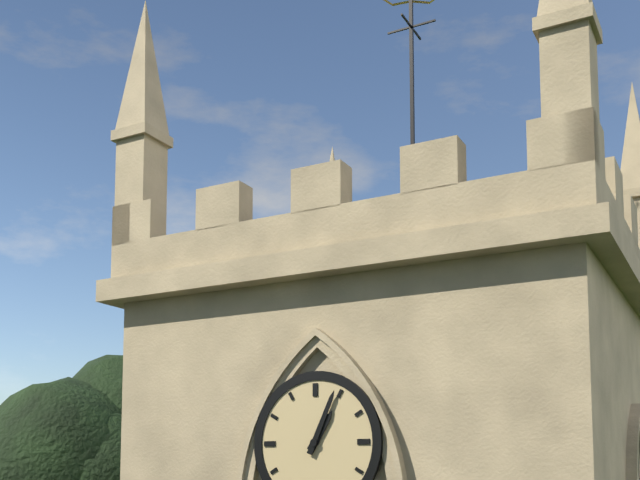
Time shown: {"hour": 1, "minute": 4}
